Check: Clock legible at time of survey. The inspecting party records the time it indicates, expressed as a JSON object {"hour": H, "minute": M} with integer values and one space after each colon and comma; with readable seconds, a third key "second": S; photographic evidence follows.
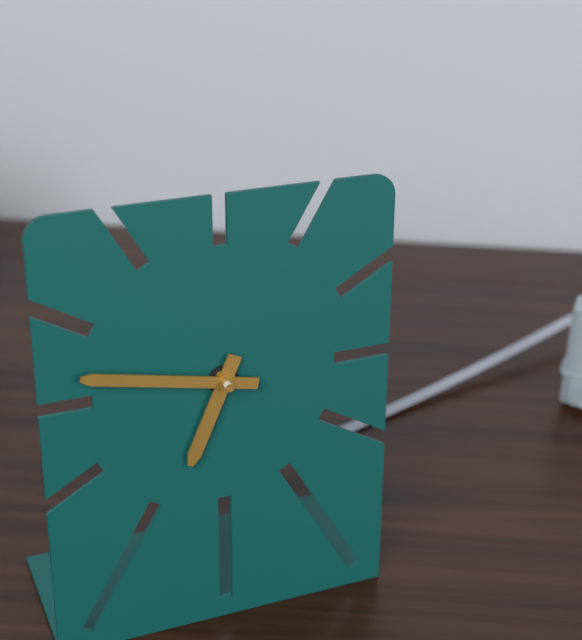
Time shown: {"hour": 6, "minute": 47}
